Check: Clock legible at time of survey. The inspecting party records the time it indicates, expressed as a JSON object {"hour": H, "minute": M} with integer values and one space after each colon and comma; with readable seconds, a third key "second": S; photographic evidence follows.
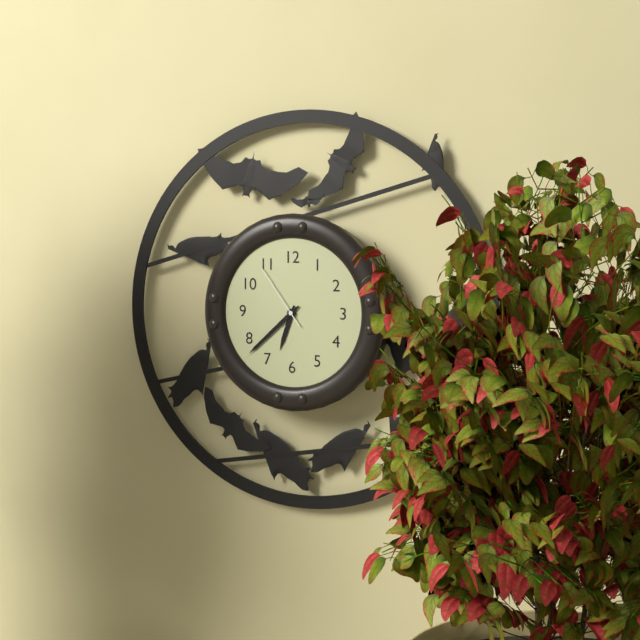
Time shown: {"hour": 6, "minute": 38, "second": 54}
